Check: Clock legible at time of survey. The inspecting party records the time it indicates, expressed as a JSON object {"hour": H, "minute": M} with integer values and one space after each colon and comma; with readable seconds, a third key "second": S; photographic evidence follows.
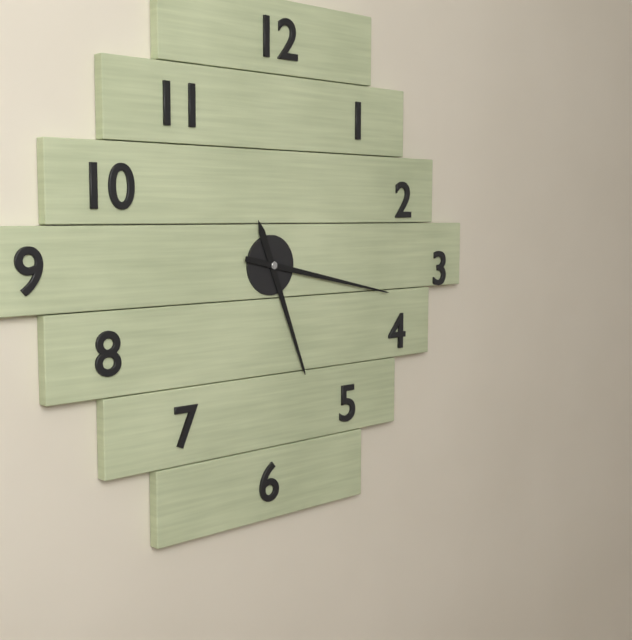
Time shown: {"hour": 5, "minute": 17}
